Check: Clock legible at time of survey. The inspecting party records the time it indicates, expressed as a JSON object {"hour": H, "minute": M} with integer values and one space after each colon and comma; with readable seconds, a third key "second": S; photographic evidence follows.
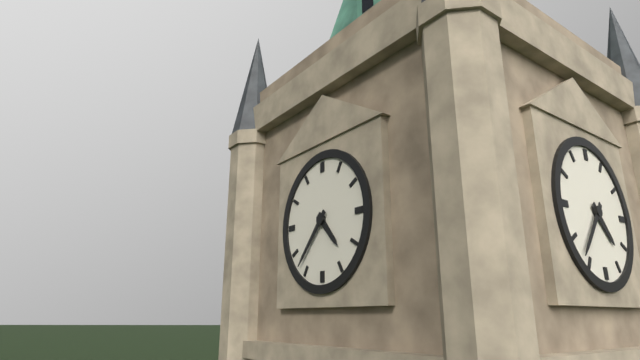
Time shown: {"hour": 4, "minute": 37}
